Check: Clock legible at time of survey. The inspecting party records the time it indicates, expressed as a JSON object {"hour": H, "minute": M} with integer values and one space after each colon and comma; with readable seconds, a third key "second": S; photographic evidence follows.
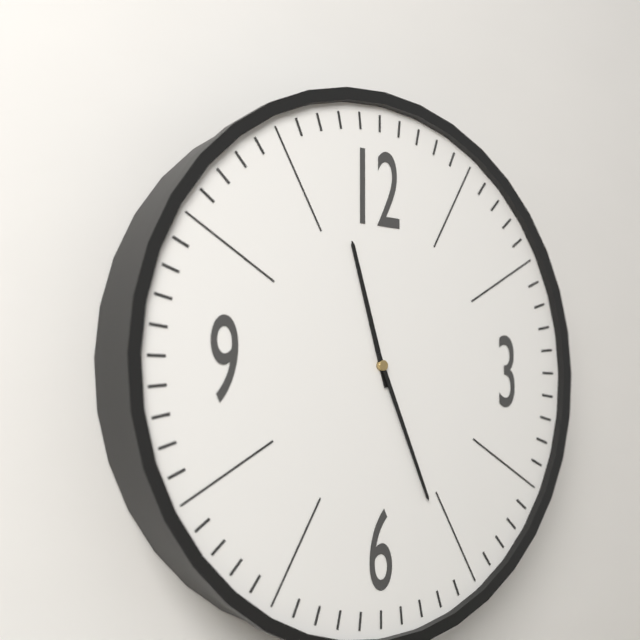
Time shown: {"hour": 11, "minute": 26}
